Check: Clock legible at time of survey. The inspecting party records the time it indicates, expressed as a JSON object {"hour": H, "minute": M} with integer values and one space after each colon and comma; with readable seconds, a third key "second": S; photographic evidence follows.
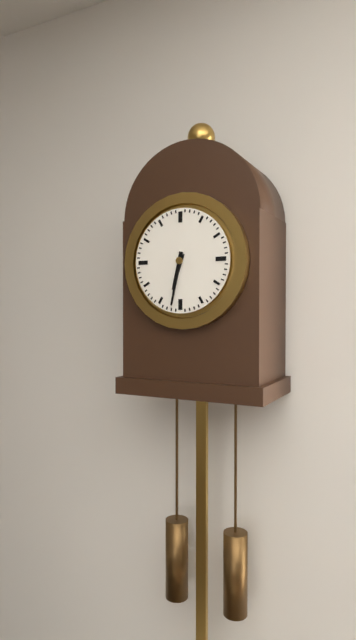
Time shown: {"hour": 6, "minute": 32}
